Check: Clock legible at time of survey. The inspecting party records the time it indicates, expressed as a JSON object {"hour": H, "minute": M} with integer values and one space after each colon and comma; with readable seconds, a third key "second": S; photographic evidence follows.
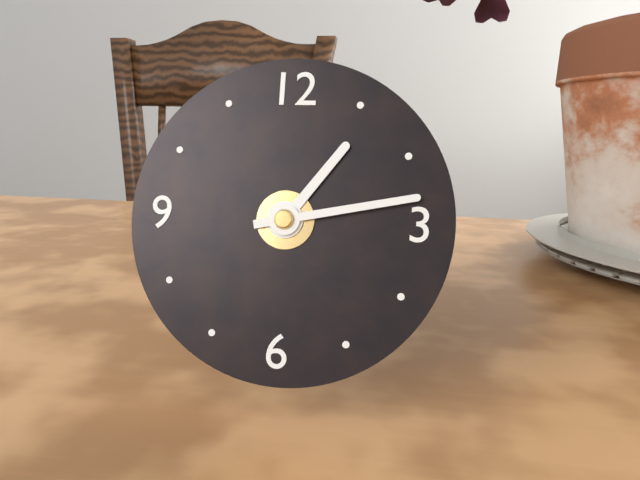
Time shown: {"hour": 1, "minute": 13}
